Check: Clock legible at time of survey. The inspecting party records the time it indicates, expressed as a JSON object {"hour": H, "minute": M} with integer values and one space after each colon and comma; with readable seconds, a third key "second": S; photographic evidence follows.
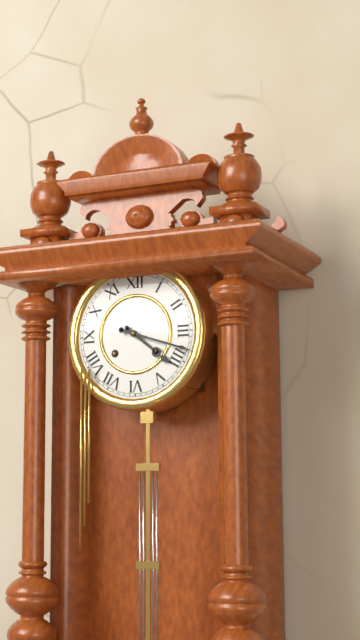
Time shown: {"hour": 4, "minute": 18}
